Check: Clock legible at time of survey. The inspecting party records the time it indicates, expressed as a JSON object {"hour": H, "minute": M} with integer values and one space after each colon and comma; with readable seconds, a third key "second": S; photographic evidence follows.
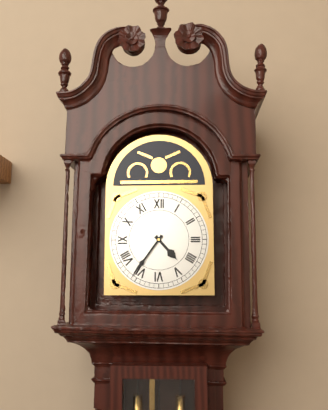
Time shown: {"hour": 4, "minute": 36}
